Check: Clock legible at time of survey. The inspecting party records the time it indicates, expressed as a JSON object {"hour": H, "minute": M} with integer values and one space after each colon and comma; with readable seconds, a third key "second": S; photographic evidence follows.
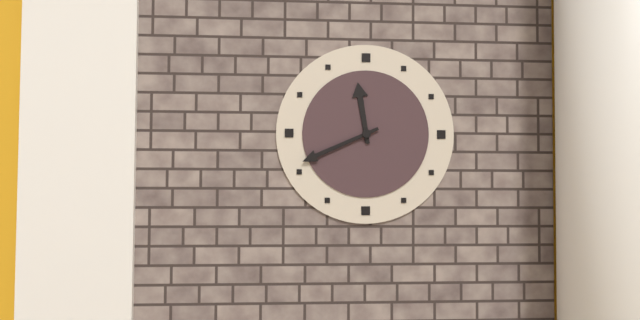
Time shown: {"hour": 11, "minute": 41}
